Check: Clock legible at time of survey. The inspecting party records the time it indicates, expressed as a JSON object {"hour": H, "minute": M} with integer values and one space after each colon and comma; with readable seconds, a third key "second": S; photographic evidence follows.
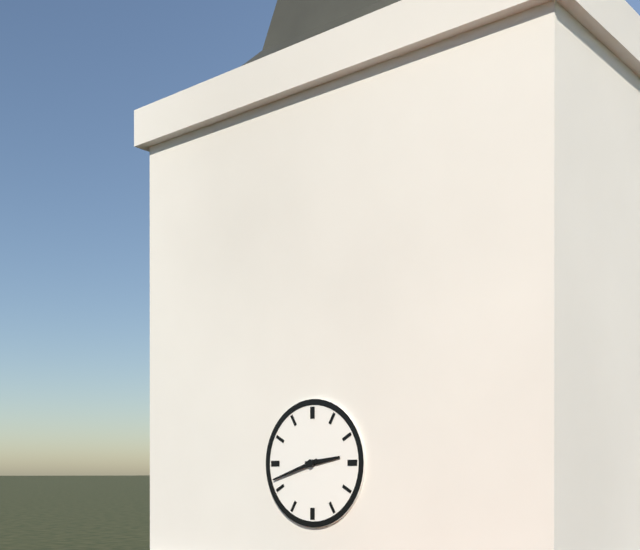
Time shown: {"hour": 2, "minute": 42}
